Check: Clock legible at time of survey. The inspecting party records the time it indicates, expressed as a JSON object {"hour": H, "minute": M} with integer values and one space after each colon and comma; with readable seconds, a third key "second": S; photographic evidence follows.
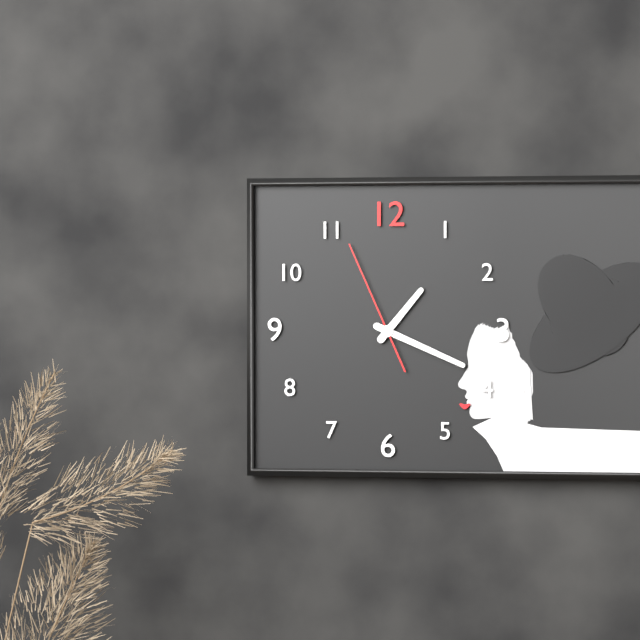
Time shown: {"hour": 1, "minute": 19, "second": 56}
